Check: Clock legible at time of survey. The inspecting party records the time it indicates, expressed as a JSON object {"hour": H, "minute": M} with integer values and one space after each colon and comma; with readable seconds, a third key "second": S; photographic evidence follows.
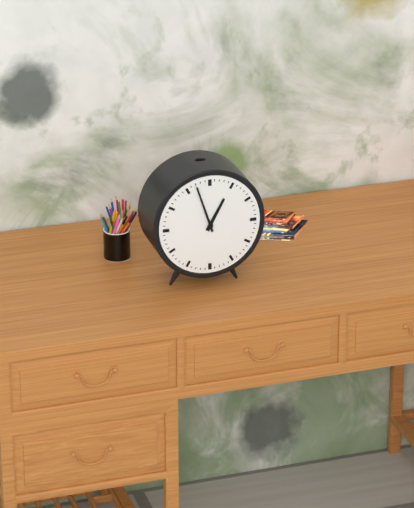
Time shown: {"hour": 12, "minute": 57}
